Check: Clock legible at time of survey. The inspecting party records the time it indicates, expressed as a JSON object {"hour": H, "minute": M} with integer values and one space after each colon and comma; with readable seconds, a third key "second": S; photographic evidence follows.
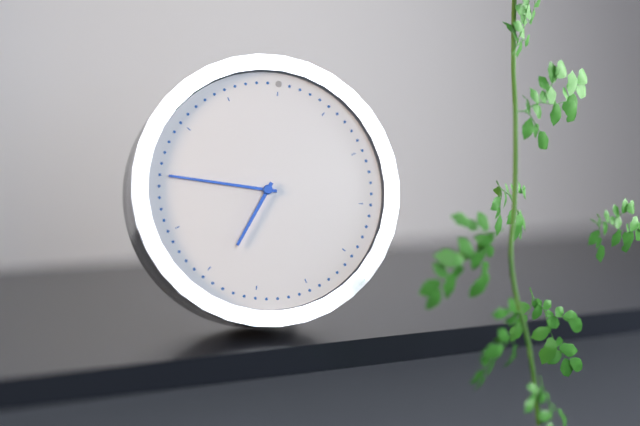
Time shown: {"hour": 6, "minute": 45}
